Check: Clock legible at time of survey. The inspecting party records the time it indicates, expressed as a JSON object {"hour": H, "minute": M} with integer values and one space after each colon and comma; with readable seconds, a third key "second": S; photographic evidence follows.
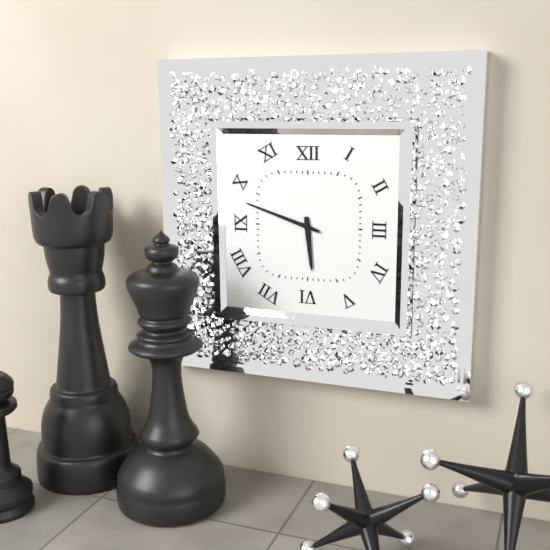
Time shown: {"hour": 5, "minute": 48}
